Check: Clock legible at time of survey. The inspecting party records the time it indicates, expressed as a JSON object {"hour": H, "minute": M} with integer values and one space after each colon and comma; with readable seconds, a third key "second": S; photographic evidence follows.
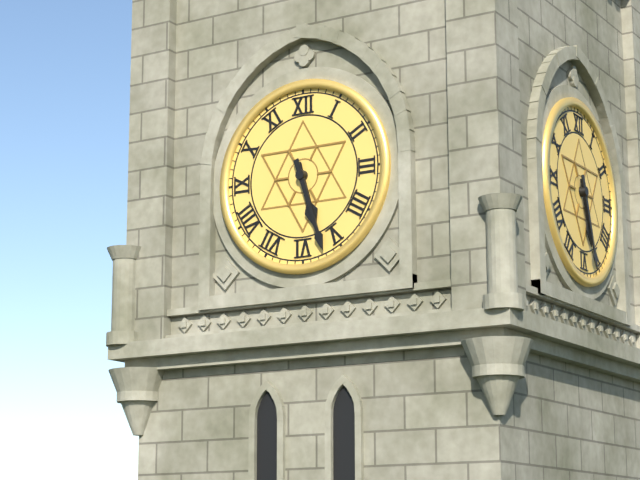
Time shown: {"hour": 5, "minute": 27}
